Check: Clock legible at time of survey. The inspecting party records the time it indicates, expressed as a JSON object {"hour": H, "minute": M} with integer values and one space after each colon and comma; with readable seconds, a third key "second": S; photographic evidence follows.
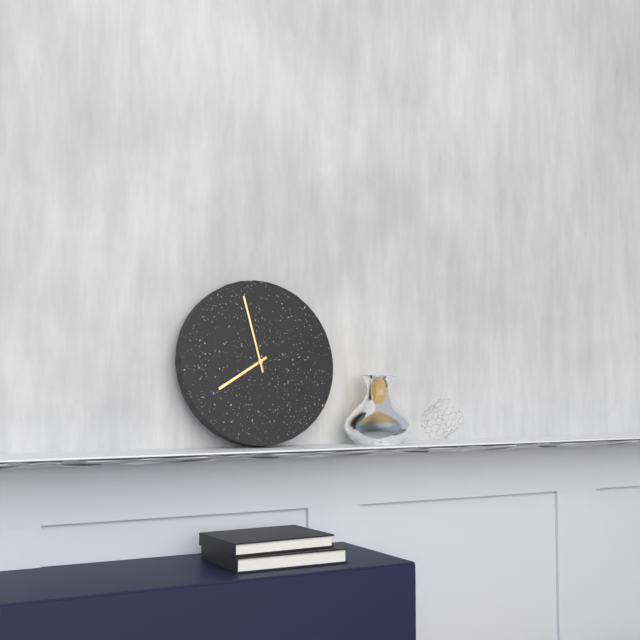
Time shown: {"hour": 7, "minute": 58}
